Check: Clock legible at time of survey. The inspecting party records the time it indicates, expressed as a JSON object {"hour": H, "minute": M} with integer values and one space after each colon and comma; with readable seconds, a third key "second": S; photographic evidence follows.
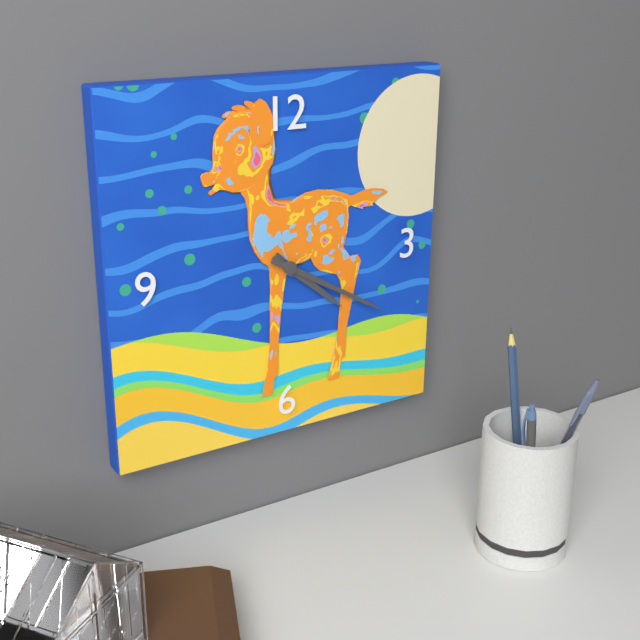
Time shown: {"hour": 4, "minute": 20}
